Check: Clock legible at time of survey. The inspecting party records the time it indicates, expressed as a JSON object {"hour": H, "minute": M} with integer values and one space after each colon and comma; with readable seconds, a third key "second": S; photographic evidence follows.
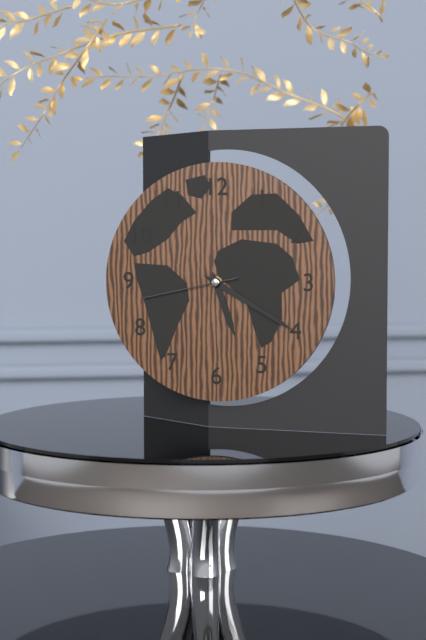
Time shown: {"hour": 5, "minute": 20, "second": 43}
